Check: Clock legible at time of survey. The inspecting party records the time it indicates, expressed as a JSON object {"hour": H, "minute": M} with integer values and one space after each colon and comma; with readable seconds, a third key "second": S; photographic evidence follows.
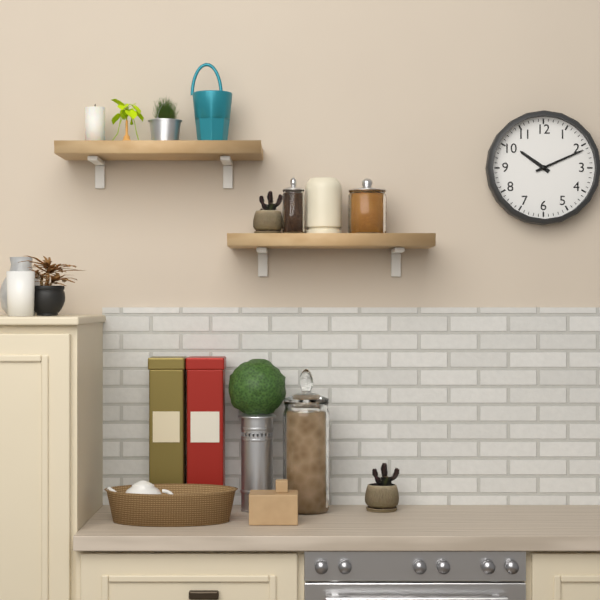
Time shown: {"hour": 10, "minute": 11}
